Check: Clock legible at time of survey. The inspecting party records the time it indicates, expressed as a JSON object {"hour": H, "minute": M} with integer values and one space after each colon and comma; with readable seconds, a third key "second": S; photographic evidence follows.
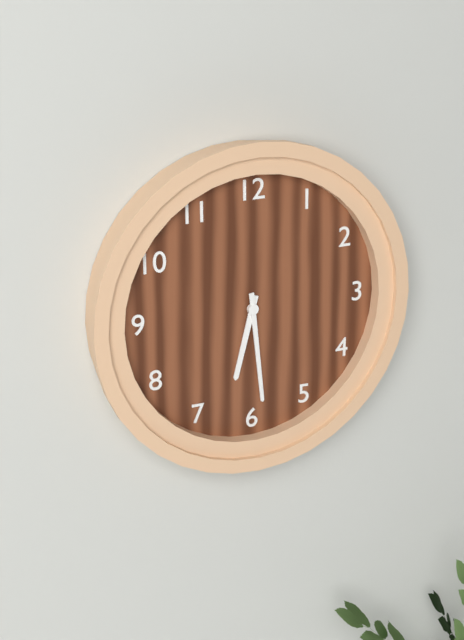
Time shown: {"hour": 6, "minute": 29}
